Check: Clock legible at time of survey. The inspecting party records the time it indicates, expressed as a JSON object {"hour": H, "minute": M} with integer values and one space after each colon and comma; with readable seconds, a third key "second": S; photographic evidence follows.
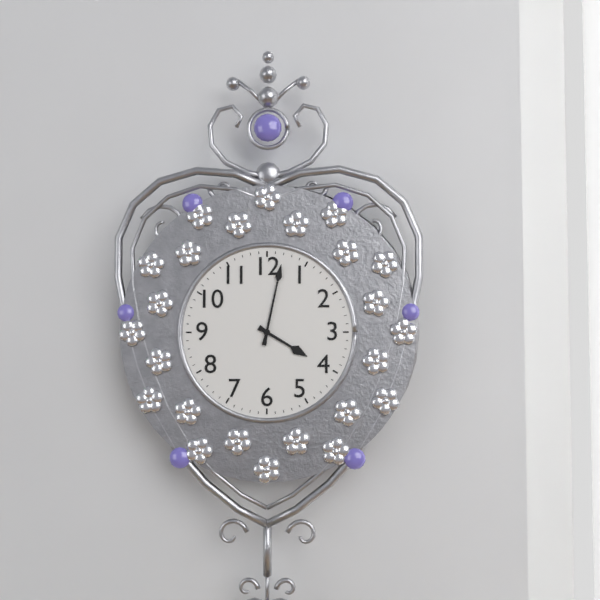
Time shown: {"hour": 4, "minute": 2}
